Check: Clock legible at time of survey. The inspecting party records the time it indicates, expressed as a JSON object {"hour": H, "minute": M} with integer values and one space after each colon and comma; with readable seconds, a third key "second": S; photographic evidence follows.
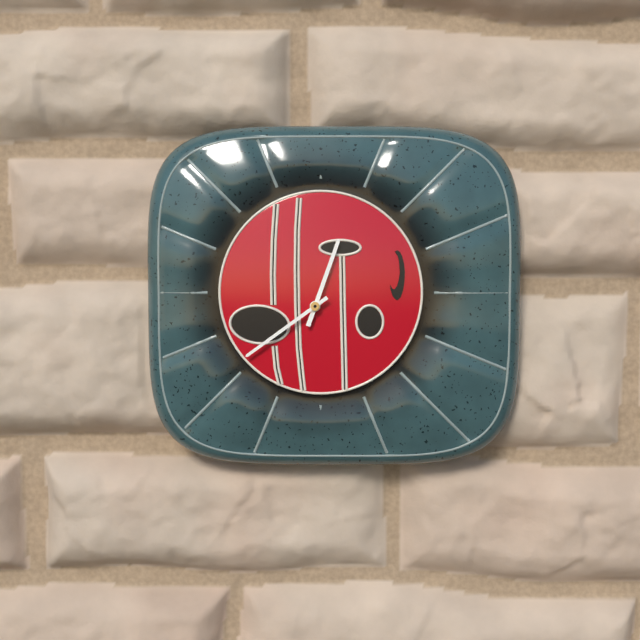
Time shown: {"hour": 12, "minute": 39}
